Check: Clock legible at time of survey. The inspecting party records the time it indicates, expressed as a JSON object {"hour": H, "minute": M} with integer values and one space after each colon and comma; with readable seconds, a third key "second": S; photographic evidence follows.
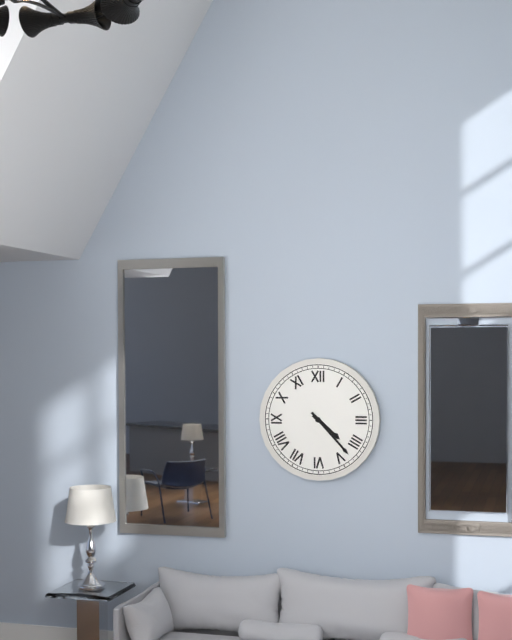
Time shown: {"hour": 4, "minute": 23}
